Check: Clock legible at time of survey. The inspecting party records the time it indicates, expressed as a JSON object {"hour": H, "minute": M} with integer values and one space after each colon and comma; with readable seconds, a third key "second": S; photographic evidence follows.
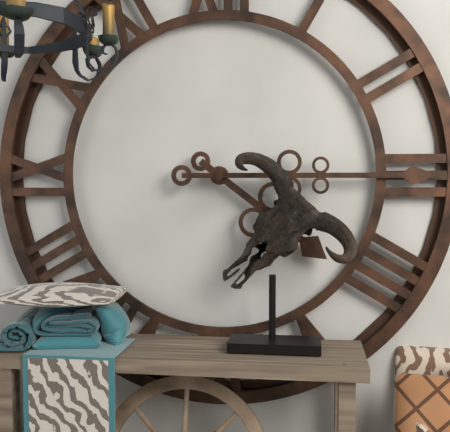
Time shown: {"hour": 4, "minute": 15}
